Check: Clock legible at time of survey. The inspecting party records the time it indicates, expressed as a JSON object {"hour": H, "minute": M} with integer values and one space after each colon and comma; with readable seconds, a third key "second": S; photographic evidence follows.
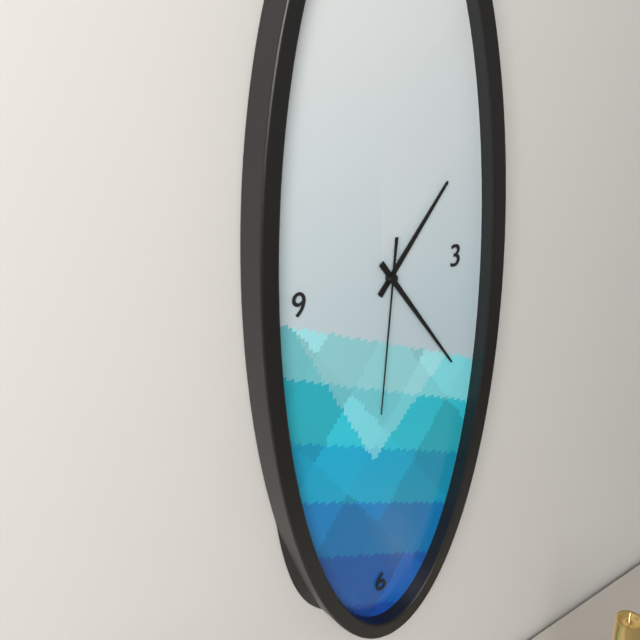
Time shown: {"hour": 1, "minute": 24, "second": 31}
